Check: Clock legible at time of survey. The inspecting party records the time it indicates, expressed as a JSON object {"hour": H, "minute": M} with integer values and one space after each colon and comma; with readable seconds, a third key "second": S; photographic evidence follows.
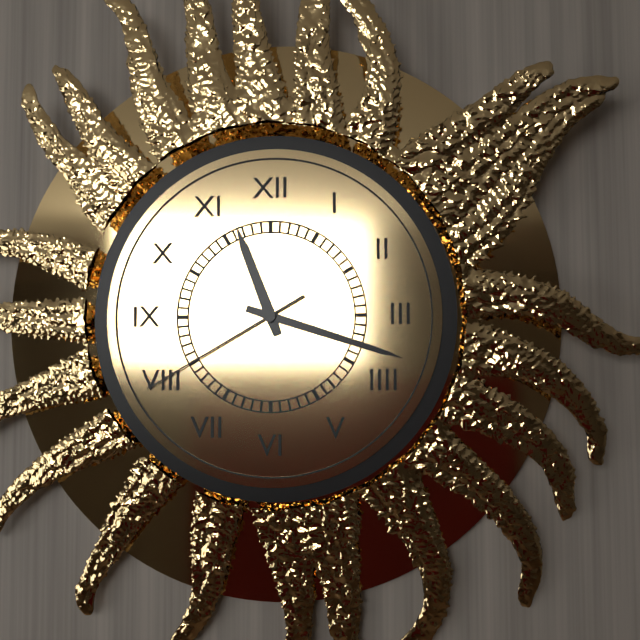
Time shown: {"hour": 11, "minute": 18, "second": 40}
